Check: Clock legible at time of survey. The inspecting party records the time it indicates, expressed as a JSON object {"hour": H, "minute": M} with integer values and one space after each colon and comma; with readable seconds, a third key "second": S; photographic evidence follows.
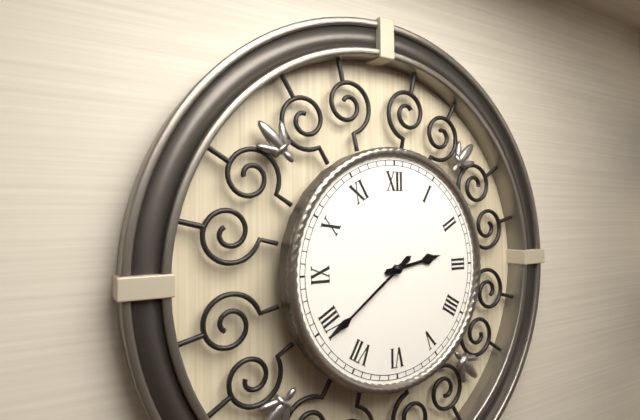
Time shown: {"hour": 2, "minute": 39}
